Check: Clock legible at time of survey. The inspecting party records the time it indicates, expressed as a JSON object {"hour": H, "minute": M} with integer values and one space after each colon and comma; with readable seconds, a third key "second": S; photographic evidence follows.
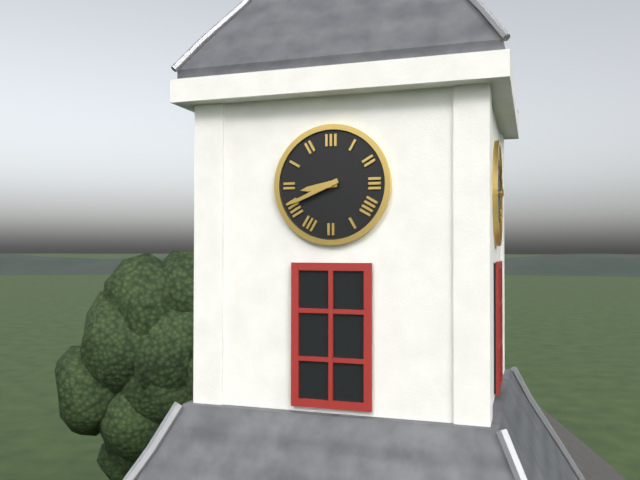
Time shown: {"hour": 8, "minute": 41}
